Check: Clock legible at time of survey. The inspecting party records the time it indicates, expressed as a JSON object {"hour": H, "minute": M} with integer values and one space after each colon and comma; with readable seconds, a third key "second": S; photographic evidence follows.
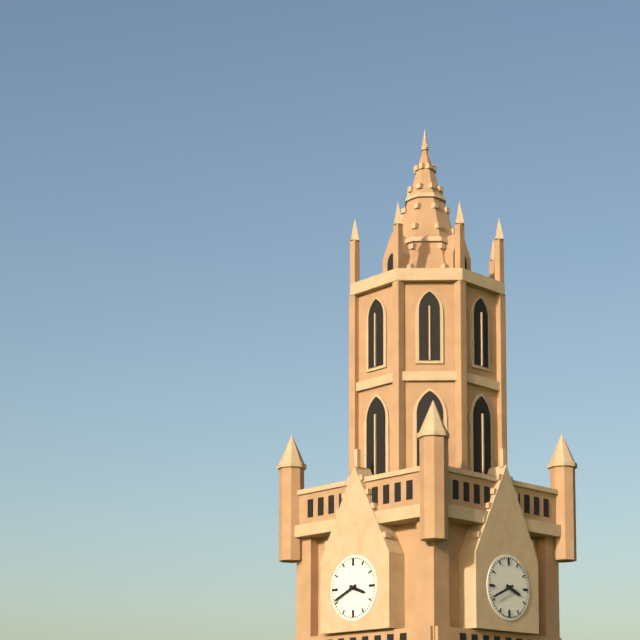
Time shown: {"hour": 3, "minute": 41}
